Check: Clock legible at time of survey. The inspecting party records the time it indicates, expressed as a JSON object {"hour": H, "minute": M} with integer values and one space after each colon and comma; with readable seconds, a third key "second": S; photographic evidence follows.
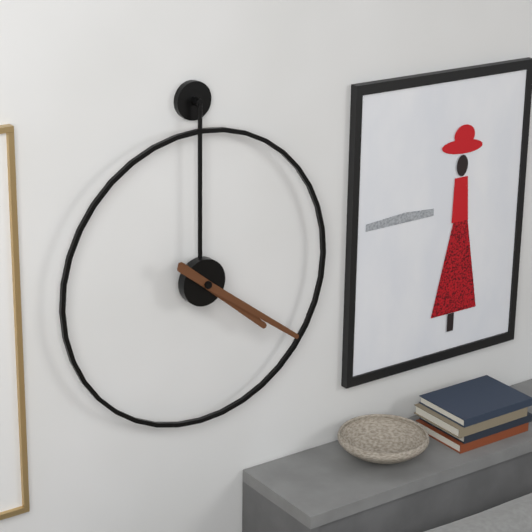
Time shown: {"hour": 4, "minute": 21}
